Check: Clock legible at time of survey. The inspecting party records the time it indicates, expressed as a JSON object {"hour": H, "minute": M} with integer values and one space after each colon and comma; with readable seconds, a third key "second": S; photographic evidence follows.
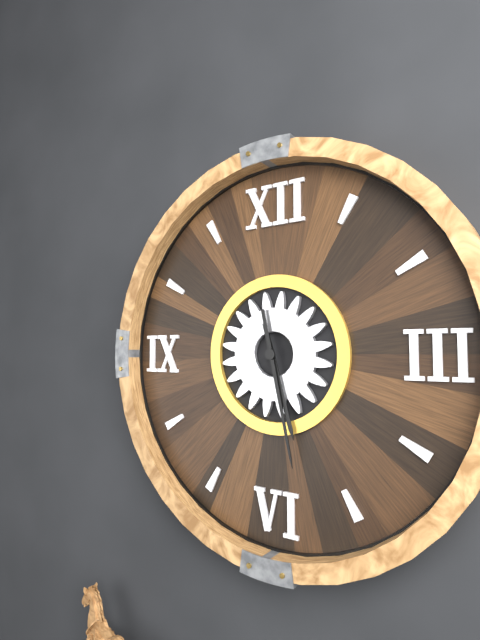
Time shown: {"hour": 5, "minute": 28}
